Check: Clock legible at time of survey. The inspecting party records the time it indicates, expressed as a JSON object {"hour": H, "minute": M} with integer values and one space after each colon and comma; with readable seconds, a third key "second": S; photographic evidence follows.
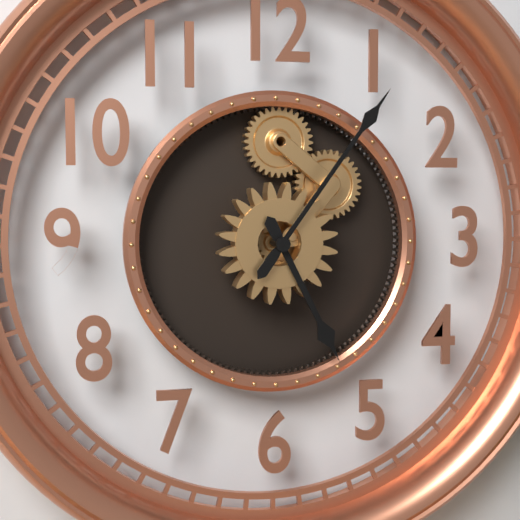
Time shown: {"hour": 5, "minute": 6}
